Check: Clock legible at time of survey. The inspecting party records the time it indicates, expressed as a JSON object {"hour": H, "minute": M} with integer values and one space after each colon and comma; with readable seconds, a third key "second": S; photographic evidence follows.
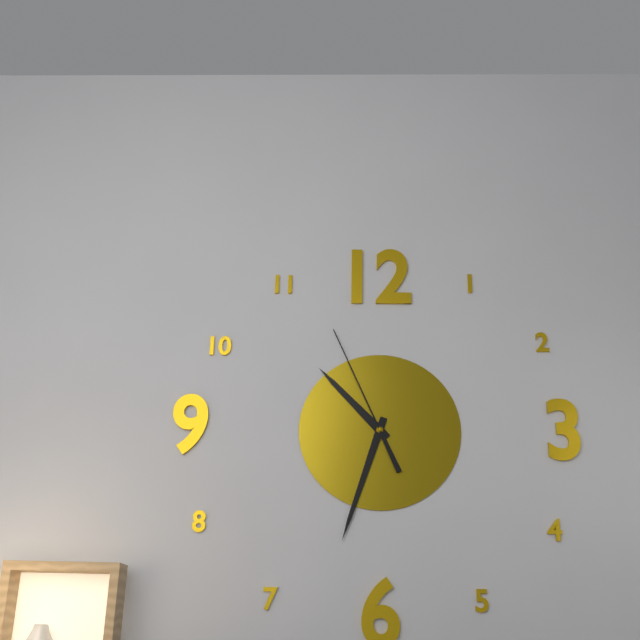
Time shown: {"hour": 10, "minute": 33, "second": 56}
